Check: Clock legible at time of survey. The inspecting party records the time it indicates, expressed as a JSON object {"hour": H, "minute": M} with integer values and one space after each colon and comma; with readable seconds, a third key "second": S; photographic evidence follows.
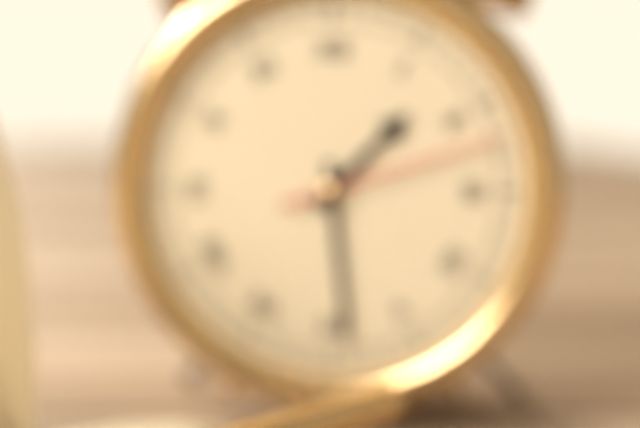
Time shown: {"hour": 1, "minute": 29, "second": 12}
